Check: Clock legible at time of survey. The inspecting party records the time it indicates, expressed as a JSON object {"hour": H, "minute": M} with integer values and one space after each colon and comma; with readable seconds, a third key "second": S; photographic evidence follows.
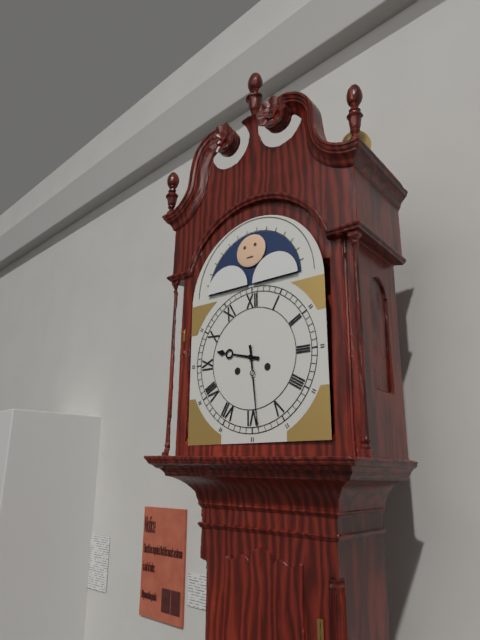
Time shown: {"hour": 9, "minute": 29}
